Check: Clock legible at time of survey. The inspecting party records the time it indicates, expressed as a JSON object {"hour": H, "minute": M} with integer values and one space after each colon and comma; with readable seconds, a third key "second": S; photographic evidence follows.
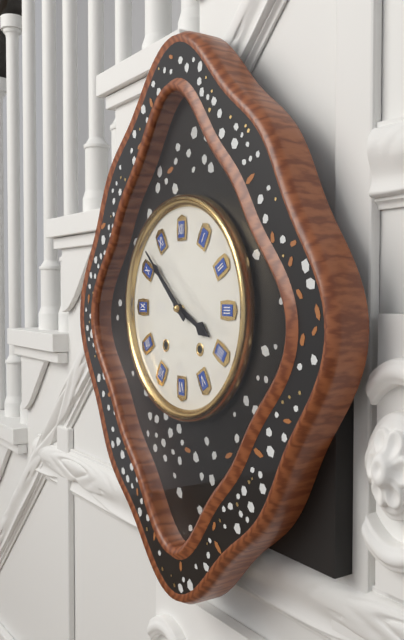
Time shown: {"hour": 3, "minute": 52}
